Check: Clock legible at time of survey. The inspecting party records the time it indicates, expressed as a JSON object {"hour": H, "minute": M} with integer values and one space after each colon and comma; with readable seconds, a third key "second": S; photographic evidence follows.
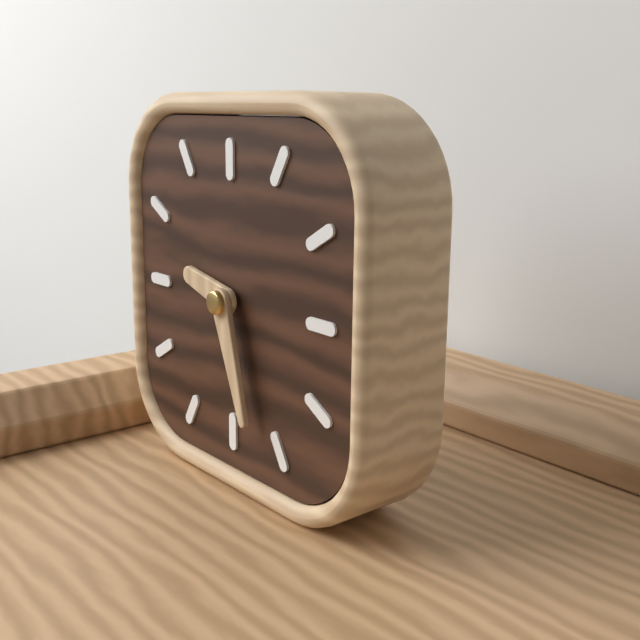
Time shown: {"hour": 9, "minute": 27}
